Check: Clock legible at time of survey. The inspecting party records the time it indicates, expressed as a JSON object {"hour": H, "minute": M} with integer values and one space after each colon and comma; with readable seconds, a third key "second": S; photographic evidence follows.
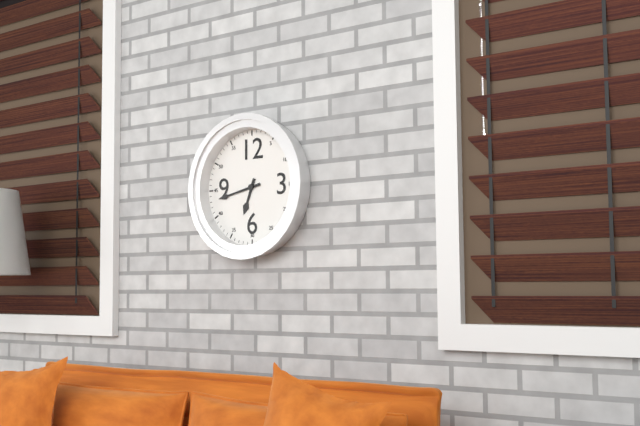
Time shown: {"hour": 6, "minute": 43}
